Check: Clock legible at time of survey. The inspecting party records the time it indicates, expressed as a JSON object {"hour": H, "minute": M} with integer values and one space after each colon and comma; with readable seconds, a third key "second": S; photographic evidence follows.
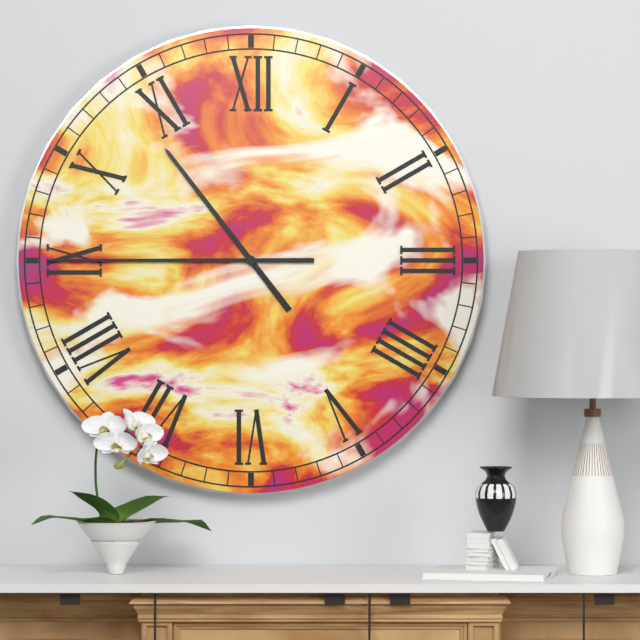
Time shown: {"hour": 10, "minute": 45}
